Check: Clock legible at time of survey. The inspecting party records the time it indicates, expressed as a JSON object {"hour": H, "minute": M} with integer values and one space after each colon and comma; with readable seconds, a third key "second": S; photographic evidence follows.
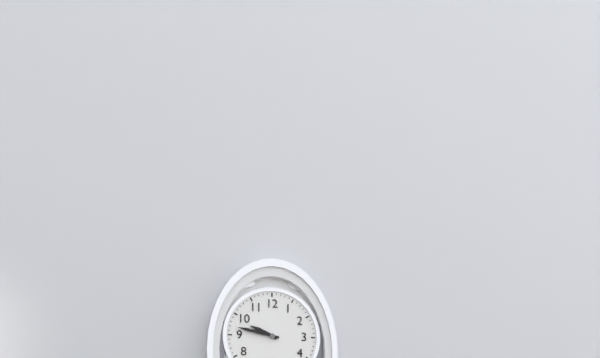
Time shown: {"hour": 9, "minute": 47}
